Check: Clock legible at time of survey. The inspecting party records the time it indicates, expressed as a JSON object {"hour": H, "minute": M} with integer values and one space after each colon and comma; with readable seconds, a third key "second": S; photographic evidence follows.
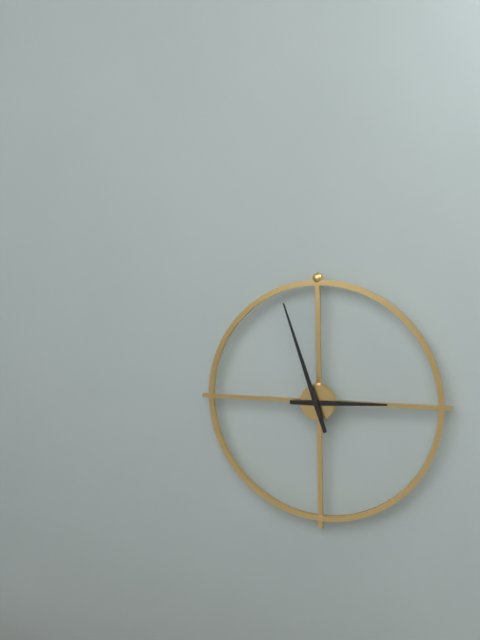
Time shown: {"hour": 2, "minute": 57}
